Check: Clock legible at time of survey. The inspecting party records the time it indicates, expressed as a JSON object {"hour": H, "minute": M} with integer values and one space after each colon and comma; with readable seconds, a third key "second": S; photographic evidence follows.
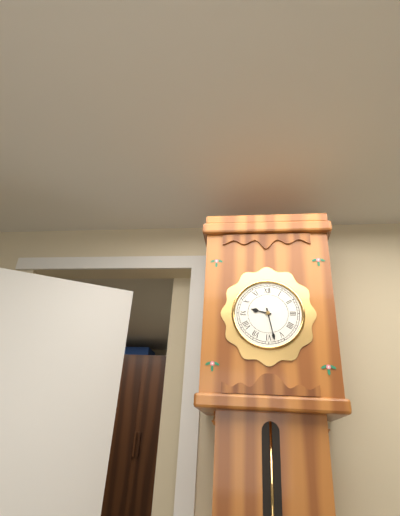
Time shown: {"hour": 9, "minute": 28}
